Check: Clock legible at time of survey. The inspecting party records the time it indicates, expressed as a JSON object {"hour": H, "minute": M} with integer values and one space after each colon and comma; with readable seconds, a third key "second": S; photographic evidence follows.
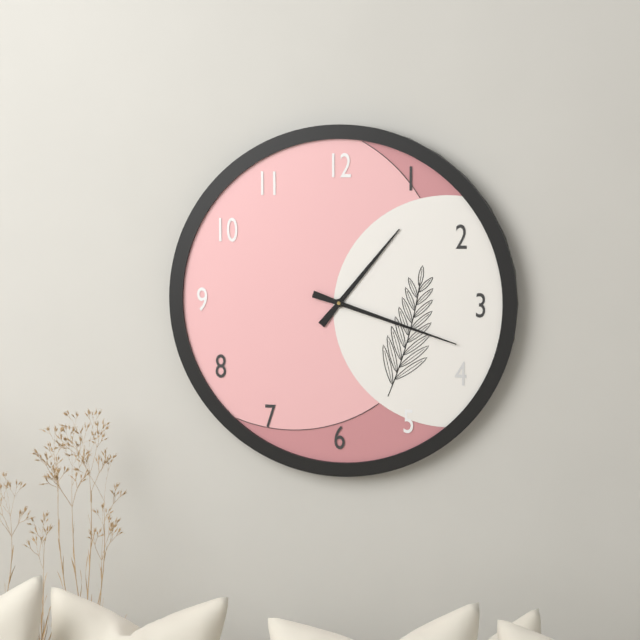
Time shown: {"hour": 1, "minute": 18}
